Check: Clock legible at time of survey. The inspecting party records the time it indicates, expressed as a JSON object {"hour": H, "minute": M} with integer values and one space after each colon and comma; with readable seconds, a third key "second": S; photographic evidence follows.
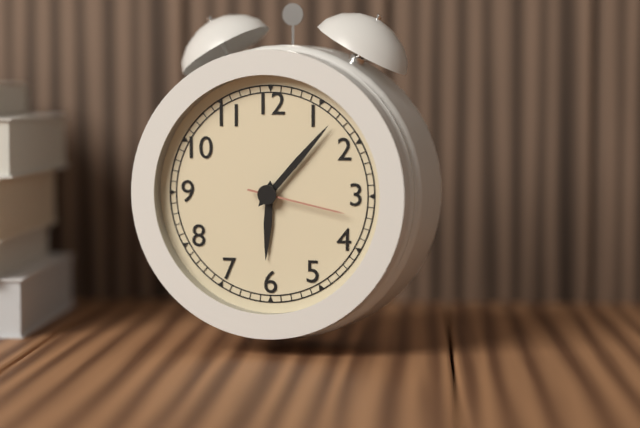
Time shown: {"hour": 6, "minute": 7, "second": 17}
